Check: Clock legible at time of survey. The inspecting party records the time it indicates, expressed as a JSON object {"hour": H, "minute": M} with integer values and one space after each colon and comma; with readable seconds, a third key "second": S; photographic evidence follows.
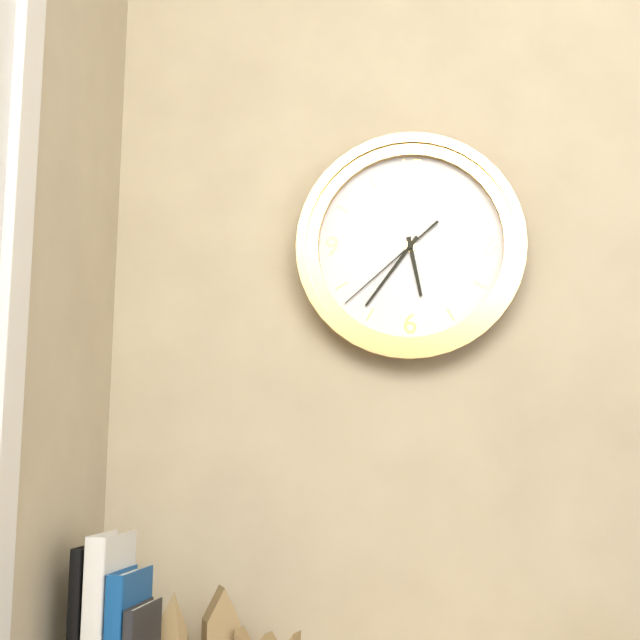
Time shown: {"hour": 5, "minute": 36, "second": 38}
